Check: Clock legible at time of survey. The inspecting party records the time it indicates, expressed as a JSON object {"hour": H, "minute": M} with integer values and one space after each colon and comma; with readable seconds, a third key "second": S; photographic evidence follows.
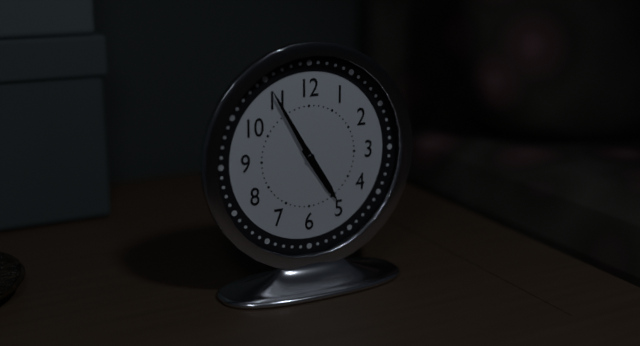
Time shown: {"hour": 4, "minute": 55}
